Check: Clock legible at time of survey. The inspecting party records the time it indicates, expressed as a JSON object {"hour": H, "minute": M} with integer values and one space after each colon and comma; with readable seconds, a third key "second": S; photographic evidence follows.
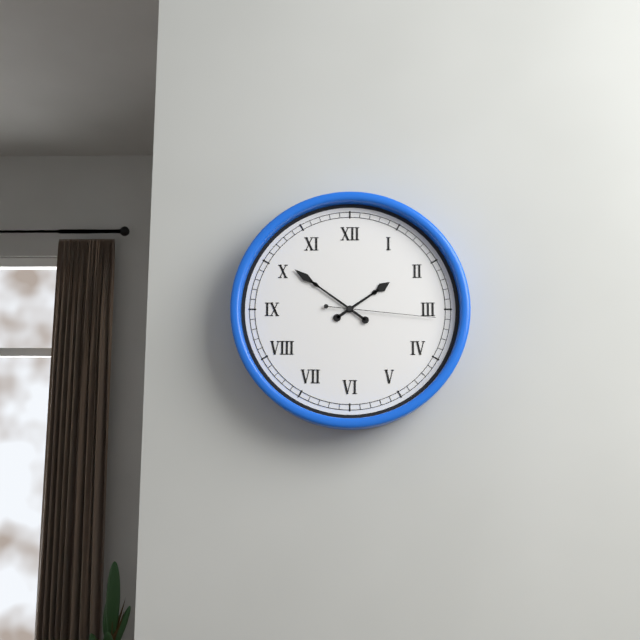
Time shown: {"hour": 1, "minute": 51, "second": 16}
